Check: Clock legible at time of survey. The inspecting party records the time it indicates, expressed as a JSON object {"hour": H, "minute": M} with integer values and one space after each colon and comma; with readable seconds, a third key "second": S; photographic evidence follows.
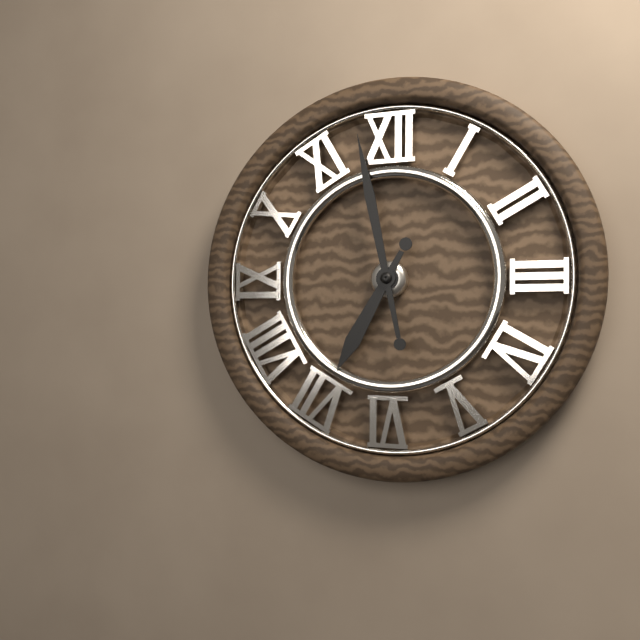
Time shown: {"hour": 6, "minute": 58}
